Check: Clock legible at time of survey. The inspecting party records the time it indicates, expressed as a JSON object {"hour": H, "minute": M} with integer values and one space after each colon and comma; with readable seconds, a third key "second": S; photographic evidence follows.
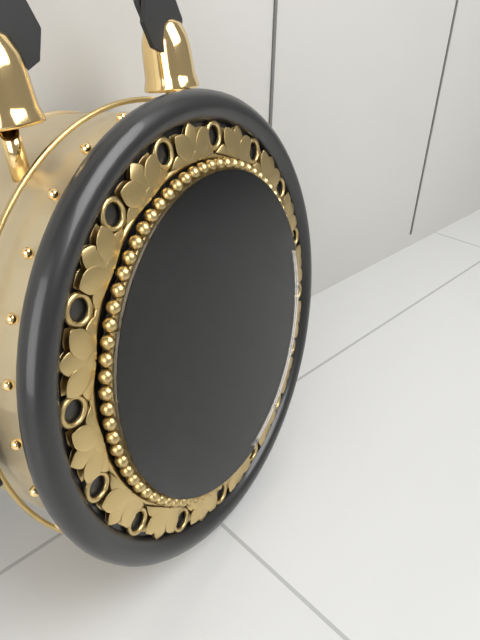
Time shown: {"hour": 8, "minute": 30, "second": 32}
